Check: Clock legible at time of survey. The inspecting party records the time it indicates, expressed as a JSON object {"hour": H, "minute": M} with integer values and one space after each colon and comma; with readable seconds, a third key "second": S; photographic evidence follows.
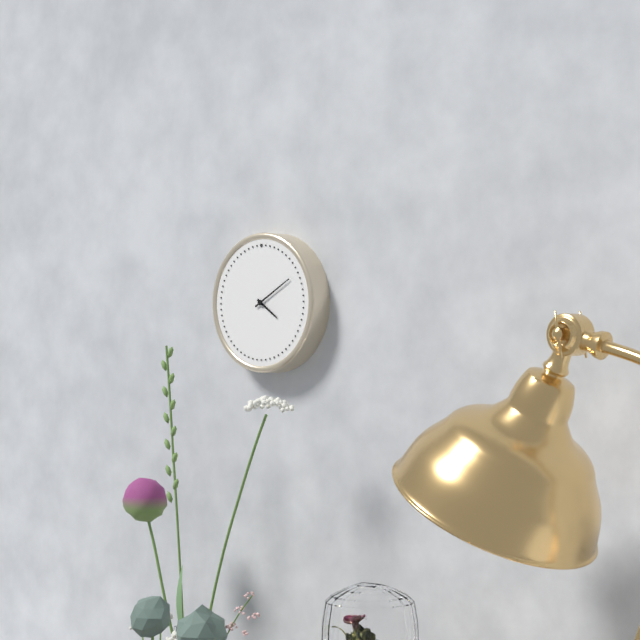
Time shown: {"hour": 4, "minute": 10}
